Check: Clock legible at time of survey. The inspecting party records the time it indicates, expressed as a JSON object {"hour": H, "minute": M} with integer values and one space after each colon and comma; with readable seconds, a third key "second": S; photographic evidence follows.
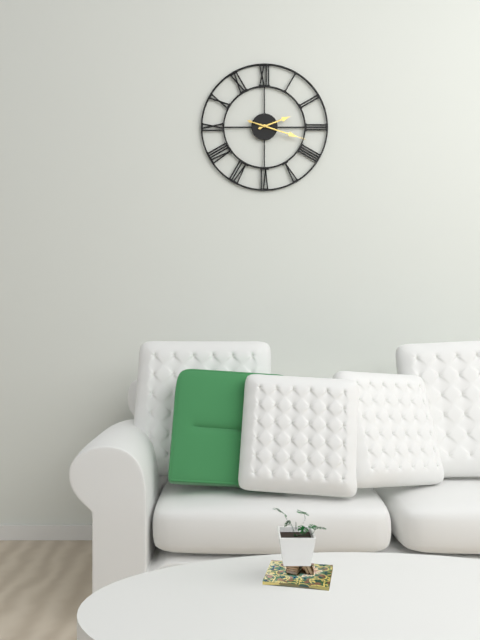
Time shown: {"hour": 2, "minute": 18}
